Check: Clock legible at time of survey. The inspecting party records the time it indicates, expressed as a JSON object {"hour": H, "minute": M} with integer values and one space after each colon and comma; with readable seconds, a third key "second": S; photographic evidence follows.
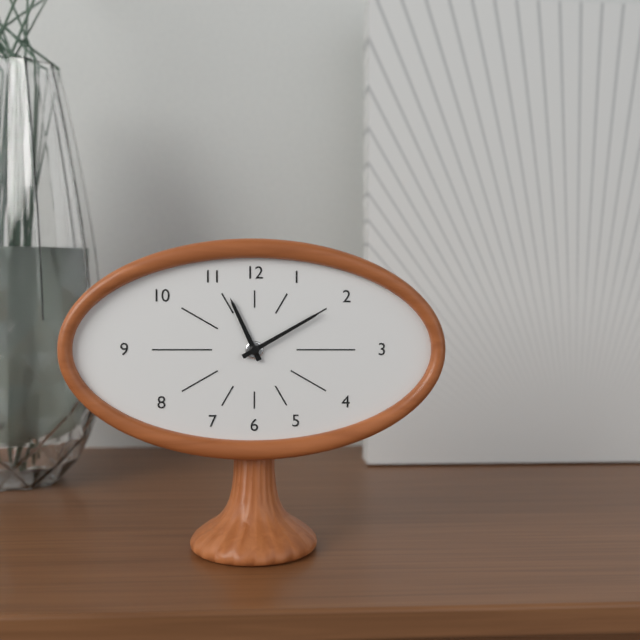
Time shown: {"hour": 11, "minute": 10}
